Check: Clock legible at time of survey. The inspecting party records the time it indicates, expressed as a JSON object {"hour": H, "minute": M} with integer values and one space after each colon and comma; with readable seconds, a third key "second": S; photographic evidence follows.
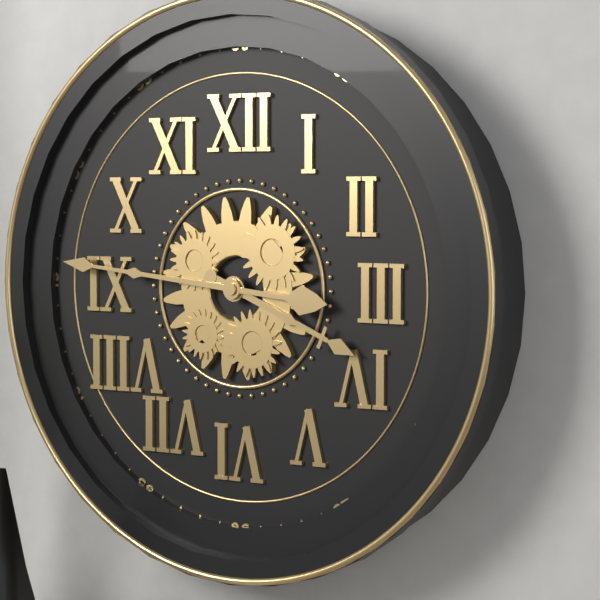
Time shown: {"hour": 3, "minute": 46}
